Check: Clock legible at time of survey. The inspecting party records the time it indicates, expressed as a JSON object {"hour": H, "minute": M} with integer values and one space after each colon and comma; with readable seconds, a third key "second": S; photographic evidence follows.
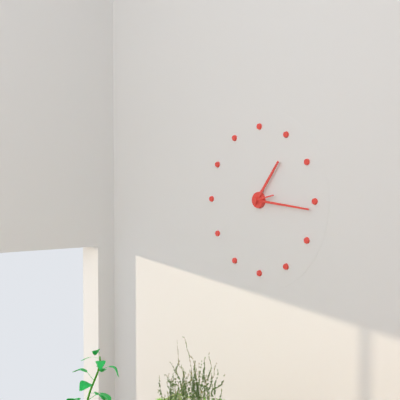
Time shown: {"hour": 1, "minute": 16}
